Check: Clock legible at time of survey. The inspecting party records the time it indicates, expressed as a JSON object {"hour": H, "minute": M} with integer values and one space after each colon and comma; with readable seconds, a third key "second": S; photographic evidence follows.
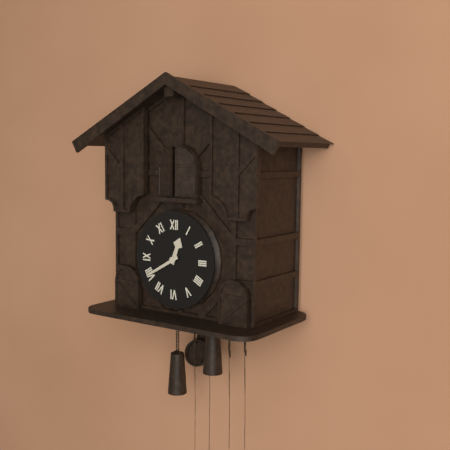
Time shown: {"hour": 12, "minute": 40}
